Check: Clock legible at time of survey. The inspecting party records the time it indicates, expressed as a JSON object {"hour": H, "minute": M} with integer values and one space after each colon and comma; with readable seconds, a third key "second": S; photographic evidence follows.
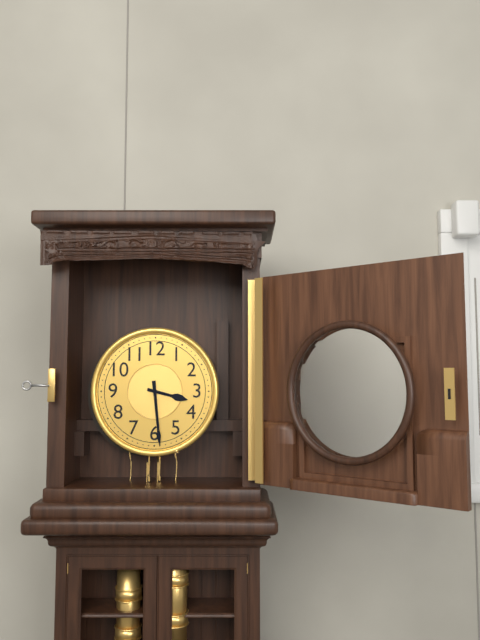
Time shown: {"hour": 3, "minute": 29}
